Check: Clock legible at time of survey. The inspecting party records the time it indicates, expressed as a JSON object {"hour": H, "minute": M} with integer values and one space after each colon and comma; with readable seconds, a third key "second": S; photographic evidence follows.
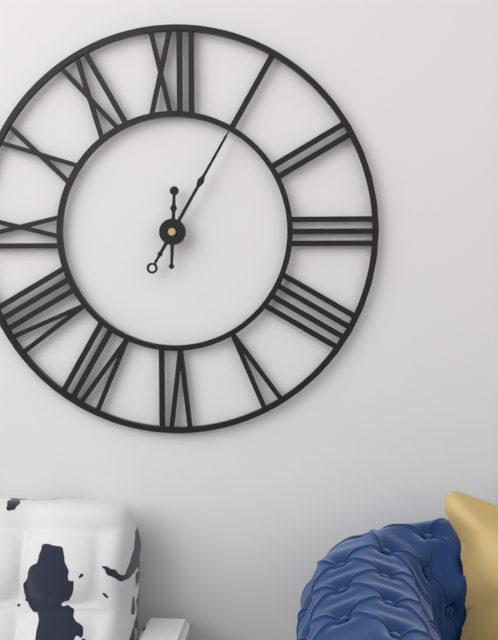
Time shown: {"hour": 12, "minute": 5}
